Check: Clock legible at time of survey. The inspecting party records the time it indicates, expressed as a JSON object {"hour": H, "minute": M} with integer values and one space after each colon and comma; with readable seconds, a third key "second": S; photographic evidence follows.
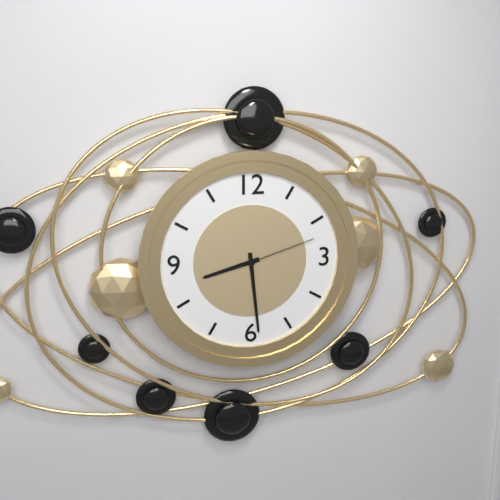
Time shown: {"hour": 8, "minute": 29, "second": 12}
